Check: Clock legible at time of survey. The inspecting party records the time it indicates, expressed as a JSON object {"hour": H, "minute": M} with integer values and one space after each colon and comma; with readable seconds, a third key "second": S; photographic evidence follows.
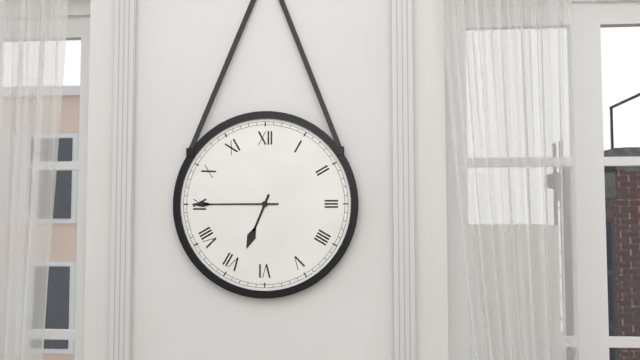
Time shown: {"hour": 6, "minute": 45}
